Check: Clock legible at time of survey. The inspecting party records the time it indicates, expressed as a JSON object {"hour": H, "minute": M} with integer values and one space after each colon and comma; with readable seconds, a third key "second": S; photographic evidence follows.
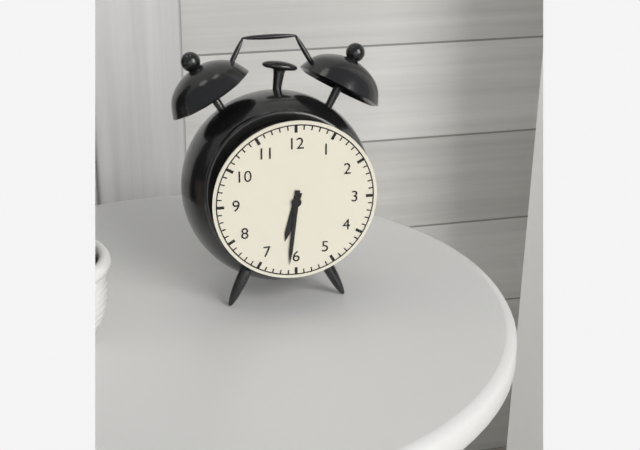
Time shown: {"hour": 6, "minute": 31}
